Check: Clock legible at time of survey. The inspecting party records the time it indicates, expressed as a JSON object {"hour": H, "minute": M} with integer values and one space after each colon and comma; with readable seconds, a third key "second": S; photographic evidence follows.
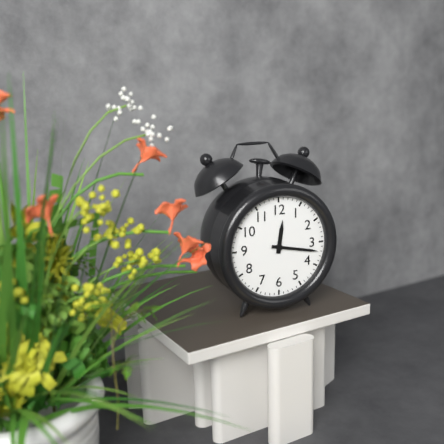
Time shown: {"hour": 12, "minute": 17}
